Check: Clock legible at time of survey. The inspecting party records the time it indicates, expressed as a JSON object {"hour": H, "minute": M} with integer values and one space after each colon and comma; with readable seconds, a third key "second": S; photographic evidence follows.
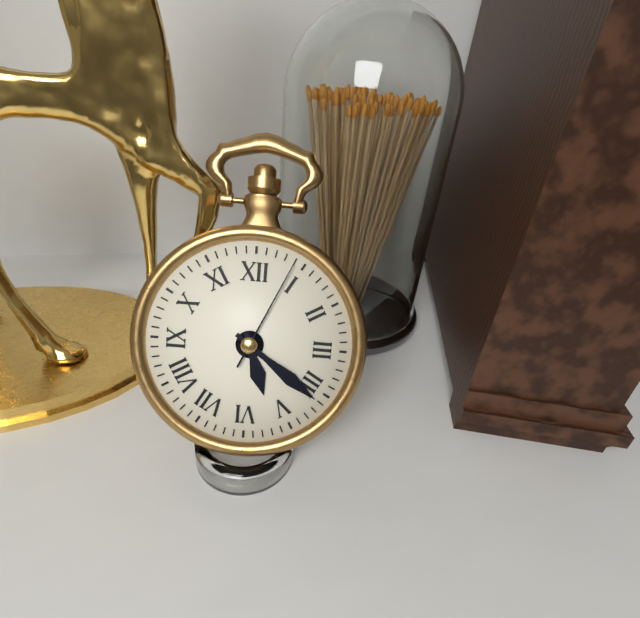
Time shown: {"hour": 5, "minute": 21, "second": 4}
